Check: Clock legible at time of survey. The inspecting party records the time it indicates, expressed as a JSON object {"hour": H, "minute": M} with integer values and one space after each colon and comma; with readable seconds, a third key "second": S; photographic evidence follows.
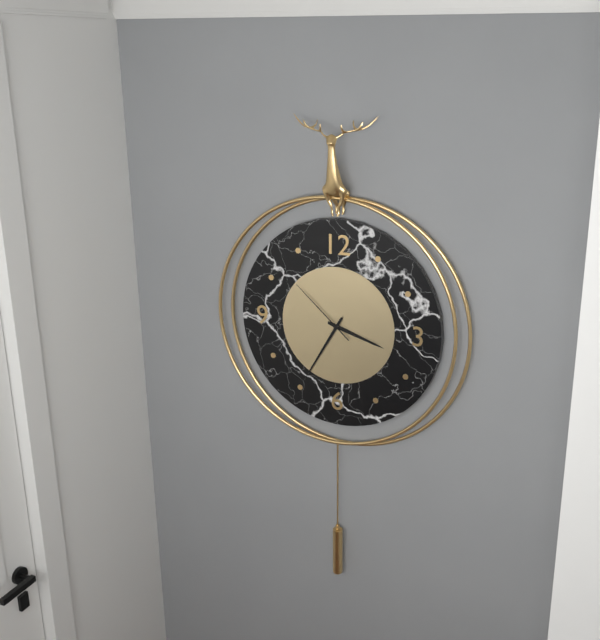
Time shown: {"hour": 3, "minute": 35, "second": 52}
